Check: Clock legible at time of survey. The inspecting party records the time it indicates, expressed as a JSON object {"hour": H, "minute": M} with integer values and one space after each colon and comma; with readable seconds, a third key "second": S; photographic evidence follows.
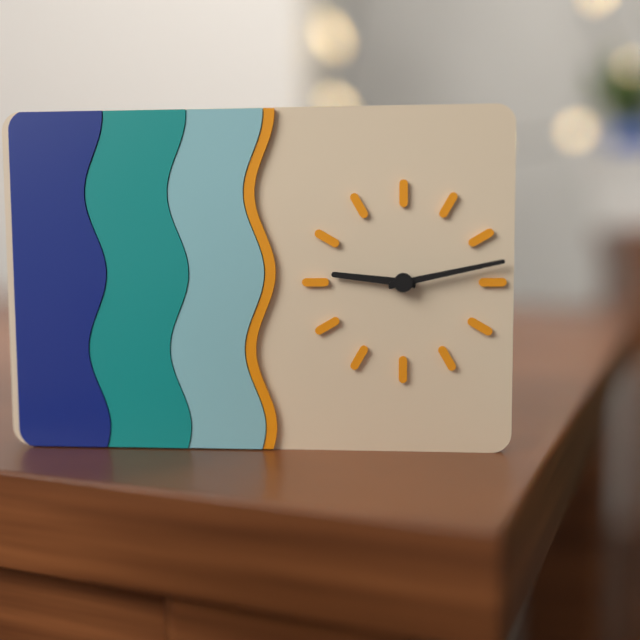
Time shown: {"hour": 9, "minute": 13}
